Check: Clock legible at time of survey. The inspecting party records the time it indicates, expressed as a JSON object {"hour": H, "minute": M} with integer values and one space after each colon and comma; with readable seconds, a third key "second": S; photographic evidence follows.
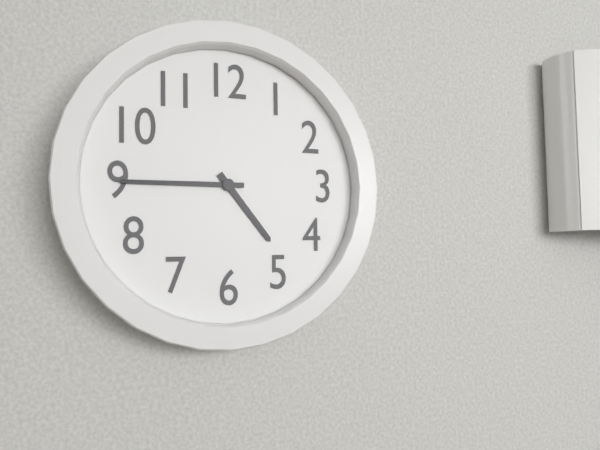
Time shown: {"hour": 4, "minute": 45}
